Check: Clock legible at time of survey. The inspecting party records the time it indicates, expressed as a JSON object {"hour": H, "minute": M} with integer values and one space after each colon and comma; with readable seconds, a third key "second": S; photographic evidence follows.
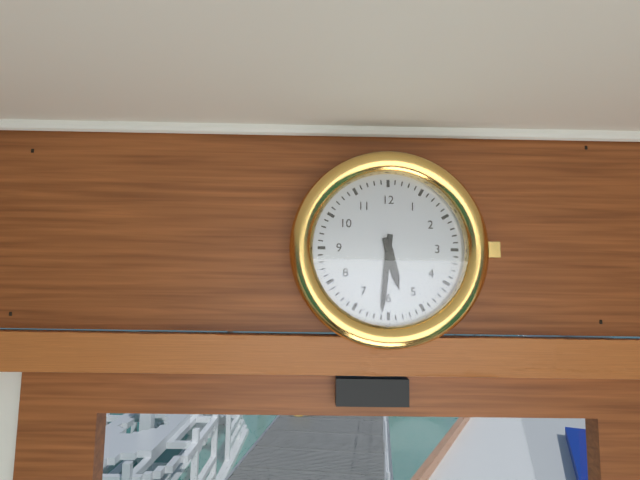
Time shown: {"hour": 5, "minute": 31}
